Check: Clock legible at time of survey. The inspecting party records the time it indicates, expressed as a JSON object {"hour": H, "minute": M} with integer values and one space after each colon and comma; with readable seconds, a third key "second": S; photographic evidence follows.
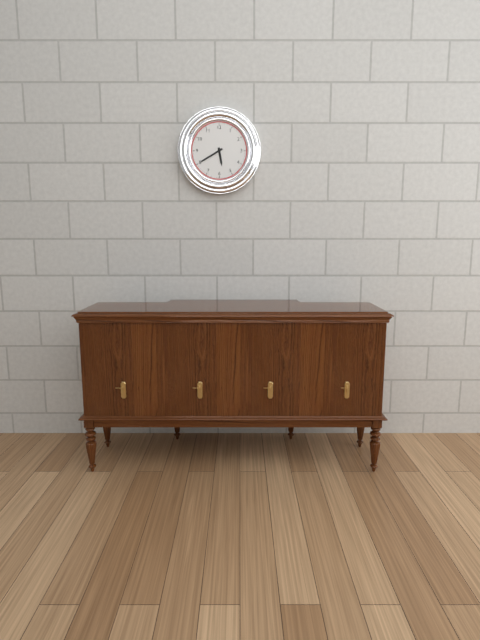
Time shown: {"hour": 5, "minute": 40}
